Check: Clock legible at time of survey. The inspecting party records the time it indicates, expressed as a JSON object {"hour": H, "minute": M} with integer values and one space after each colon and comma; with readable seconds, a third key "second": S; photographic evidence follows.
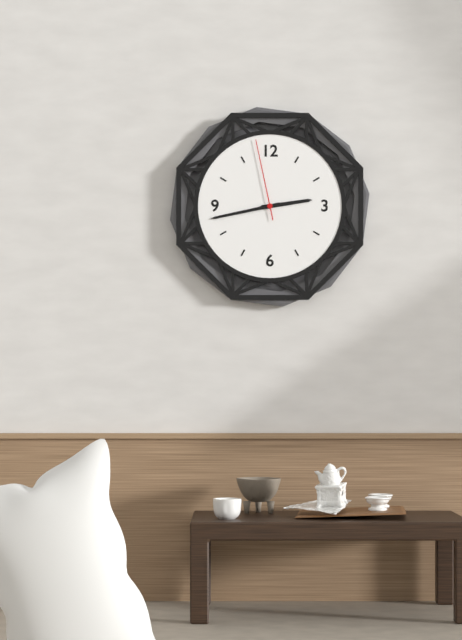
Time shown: {"hour": 2, "minute": 43, "second": 58}
